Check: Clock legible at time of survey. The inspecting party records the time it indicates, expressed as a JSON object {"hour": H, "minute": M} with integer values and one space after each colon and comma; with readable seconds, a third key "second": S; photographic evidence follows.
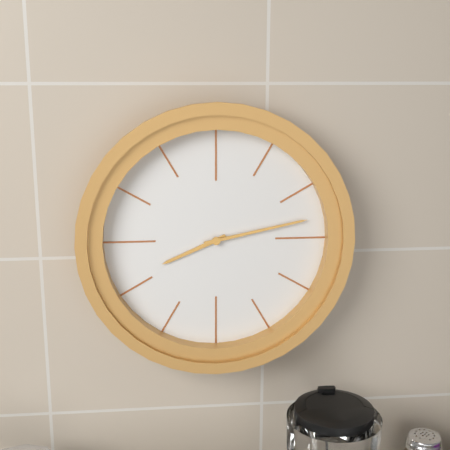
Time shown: {"hour": 8, "minute": 13}
